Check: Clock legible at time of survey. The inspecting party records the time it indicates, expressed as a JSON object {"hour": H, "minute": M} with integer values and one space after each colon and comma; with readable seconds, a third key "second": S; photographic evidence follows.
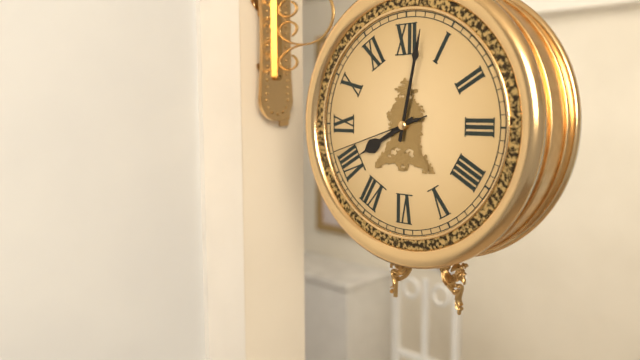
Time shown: {"hour": 8, "minute": 2, "second": 42}
